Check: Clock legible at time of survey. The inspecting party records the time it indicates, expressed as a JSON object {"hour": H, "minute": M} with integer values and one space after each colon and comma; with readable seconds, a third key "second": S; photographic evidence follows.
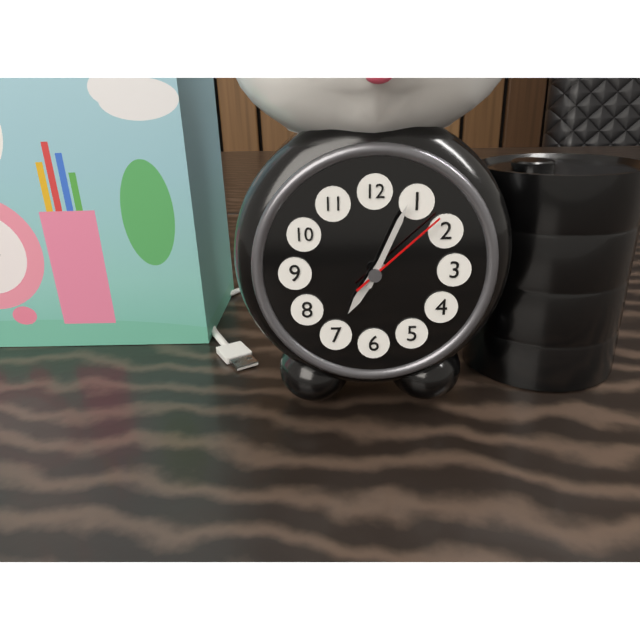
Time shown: {"hour": 7, "minute": 4, "second": 8}
